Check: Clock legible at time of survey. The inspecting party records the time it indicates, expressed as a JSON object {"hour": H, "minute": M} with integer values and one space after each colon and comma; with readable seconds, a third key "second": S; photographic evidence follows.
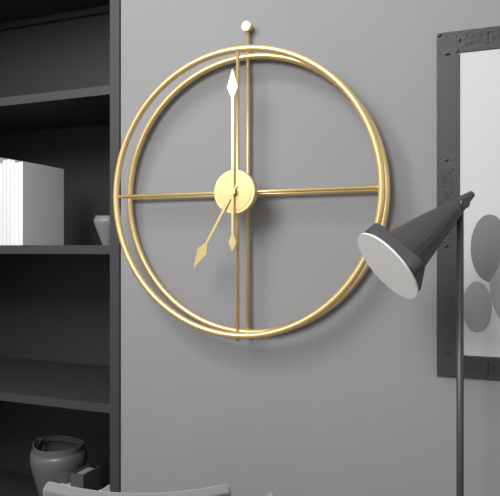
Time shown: {"hour": 7, "minute": 0}
